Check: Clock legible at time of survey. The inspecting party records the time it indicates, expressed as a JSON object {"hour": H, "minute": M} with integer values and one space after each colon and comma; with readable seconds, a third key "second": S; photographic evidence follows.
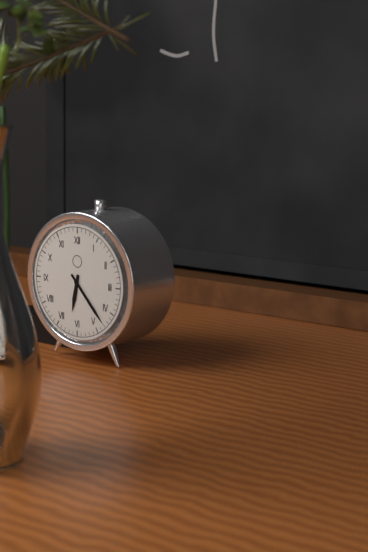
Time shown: {"hour": 6, "minute": 23}
